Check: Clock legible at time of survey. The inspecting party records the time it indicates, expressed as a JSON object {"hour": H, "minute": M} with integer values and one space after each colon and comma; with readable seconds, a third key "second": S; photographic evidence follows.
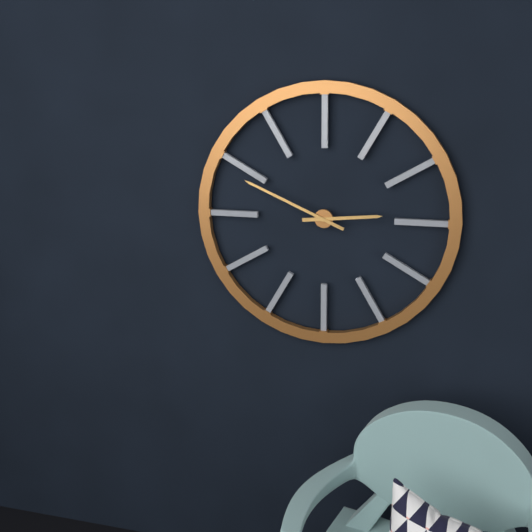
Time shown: {"hour": 2, "minute": 49}
